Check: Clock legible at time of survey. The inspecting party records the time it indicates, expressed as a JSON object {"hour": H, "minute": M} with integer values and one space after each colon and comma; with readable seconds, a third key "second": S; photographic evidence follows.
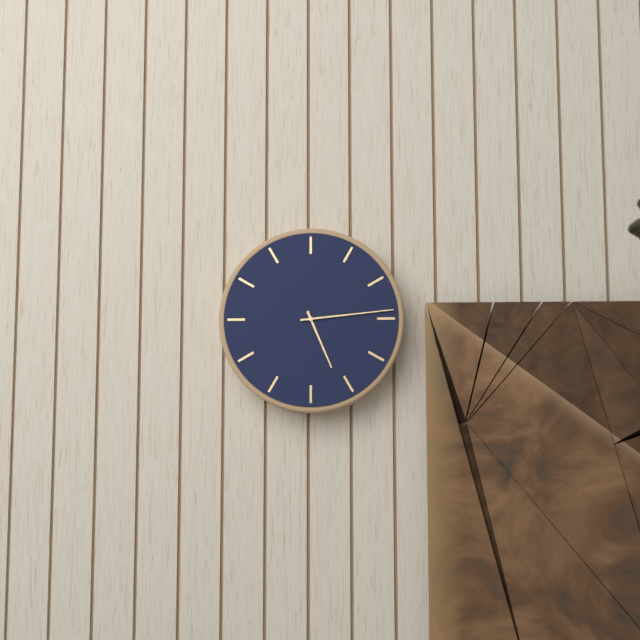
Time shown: {"hour": 5, "minute": 14}
